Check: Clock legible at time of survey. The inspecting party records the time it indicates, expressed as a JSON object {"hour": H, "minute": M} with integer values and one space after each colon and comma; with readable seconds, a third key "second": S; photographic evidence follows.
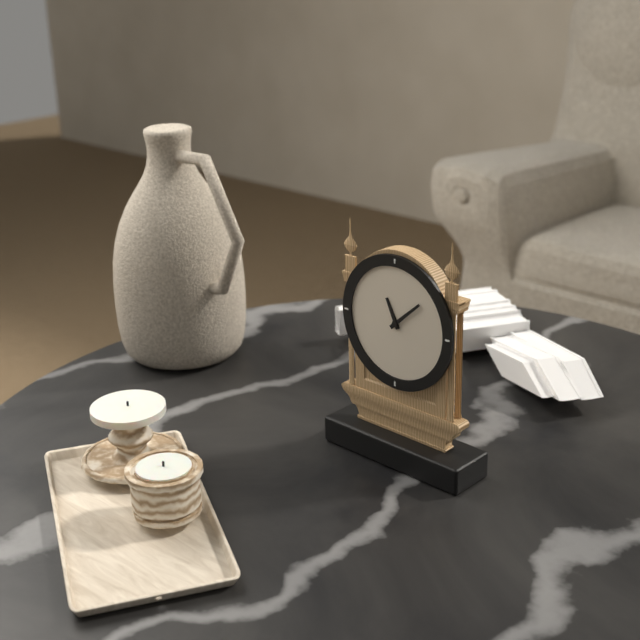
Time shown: {"hour": 11, "minute": 8}
